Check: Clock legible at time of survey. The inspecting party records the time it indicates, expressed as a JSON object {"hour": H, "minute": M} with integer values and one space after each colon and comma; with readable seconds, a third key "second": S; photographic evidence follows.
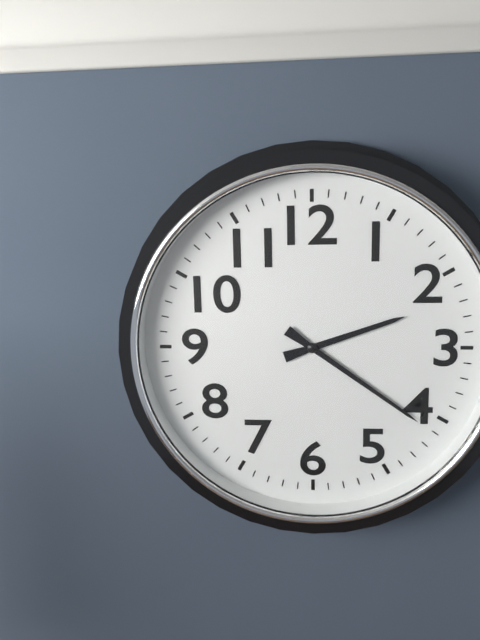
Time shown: {"hour": 2, "minute": 21}
